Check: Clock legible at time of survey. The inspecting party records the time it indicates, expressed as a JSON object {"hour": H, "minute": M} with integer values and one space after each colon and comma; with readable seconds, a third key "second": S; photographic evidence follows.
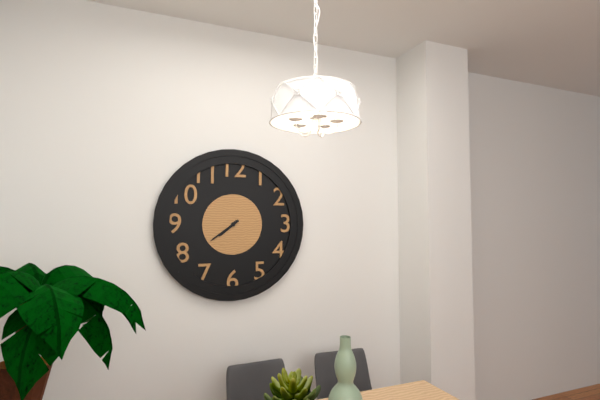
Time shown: {"hour": 7, "minute": 39}
